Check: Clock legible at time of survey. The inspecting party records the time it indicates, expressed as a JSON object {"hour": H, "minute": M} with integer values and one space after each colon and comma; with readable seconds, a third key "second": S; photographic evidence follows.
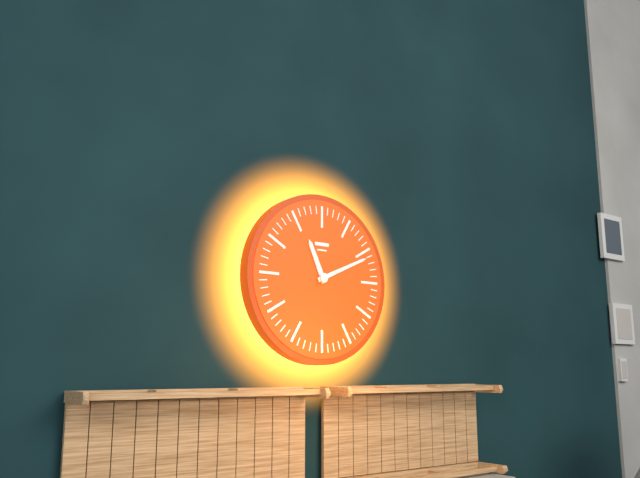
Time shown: {"hour": 11, "minute": 11}
